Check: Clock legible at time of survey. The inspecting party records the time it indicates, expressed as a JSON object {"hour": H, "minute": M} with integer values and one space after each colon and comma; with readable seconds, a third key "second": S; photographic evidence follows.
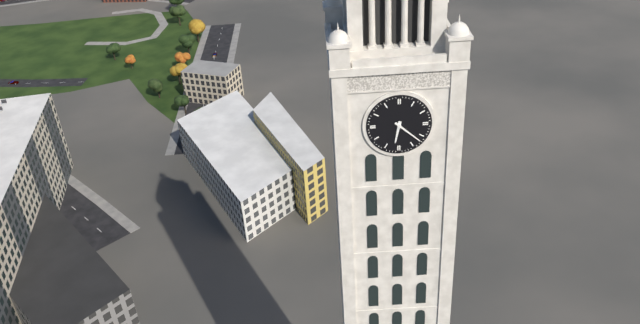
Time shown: {"hour": 6, "minute": 22}
